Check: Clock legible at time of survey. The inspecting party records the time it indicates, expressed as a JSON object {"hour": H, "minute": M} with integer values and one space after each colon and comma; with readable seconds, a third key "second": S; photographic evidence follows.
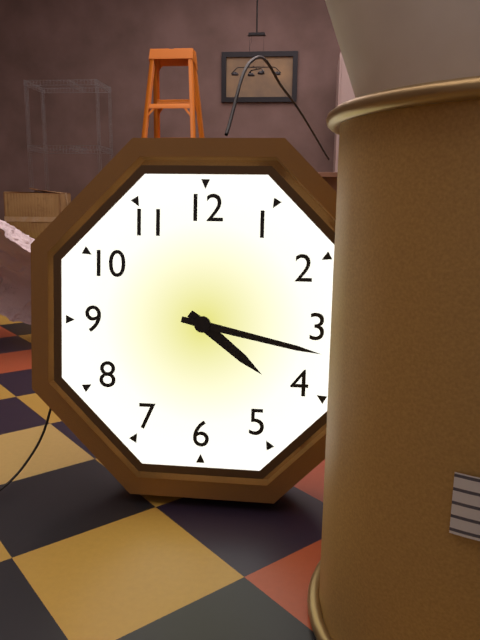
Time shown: {"hour": 4, "minute": 17}
